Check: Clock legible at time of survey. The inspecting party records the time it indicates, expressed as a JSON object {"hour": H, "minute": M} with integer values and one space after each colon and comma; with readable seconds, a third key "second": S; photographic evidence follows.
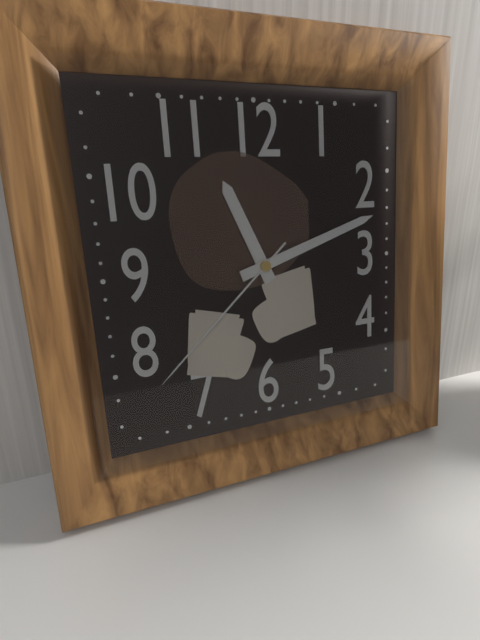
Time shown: {"hour": 11, "minute": 12, "second": 38}
